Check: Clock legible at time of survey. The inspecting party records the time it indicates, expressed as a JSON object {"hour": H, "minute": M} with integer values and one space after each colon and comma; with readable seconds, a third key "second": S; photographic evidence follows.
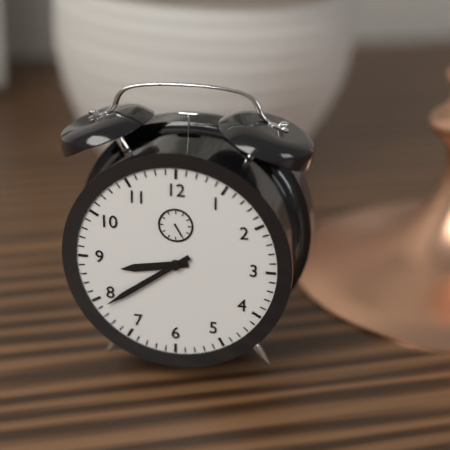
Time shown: {"hour": 8, "minute": 39}
